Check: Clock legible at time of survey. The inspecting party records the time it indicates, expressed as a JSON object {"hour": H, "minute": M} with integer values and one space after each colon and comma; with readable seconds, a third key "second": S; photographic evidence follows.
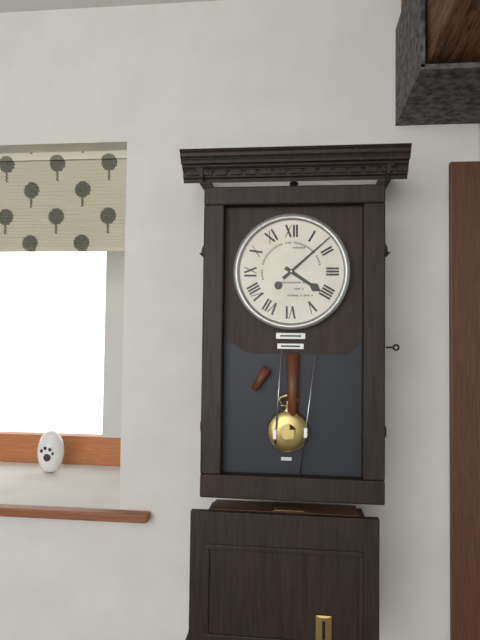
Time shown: {"hour": 4, "minute": 8}
